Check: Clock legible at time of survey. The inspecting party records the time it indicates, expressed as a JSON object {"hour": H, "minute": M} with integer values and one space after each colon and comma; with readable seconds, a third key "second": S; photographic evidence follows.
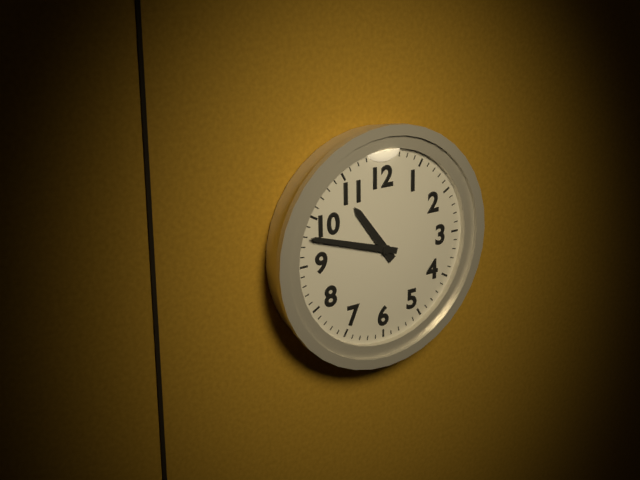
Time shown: {"hour": 10, "minute": 48}
